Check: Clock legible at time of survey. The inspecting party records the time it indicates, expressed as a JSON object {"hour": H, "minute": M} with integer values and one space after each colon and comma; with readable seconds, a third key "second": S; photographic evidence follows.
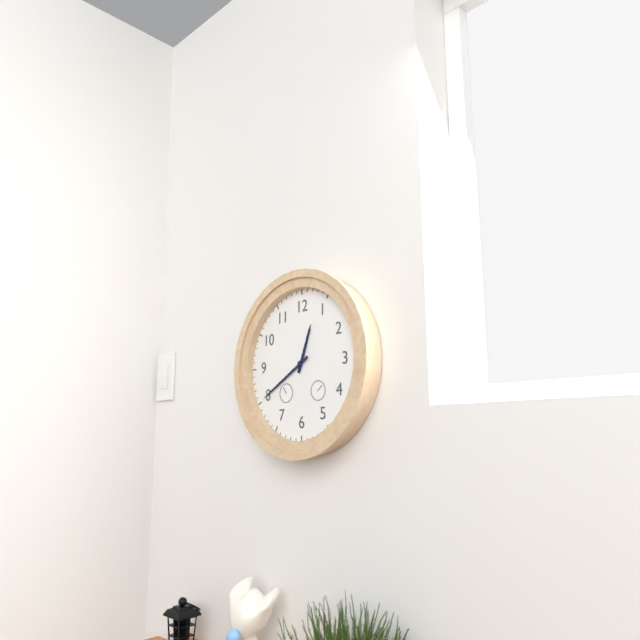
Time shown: {"hour": 12, "minute": 40}
